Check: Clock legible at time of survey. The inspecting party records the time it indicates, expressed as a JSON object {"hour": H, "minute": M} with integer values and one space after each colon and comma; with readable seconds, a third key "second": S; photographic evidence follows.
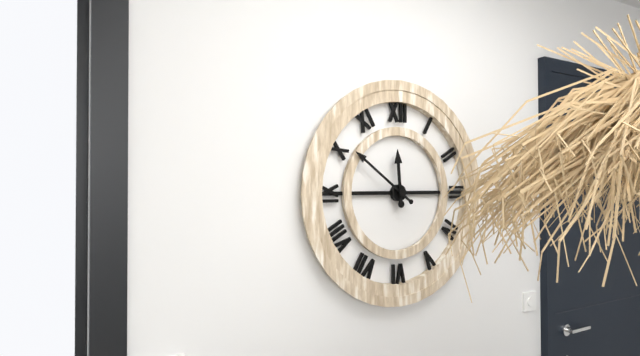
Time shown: {"hour": 11, "minute": 51}
